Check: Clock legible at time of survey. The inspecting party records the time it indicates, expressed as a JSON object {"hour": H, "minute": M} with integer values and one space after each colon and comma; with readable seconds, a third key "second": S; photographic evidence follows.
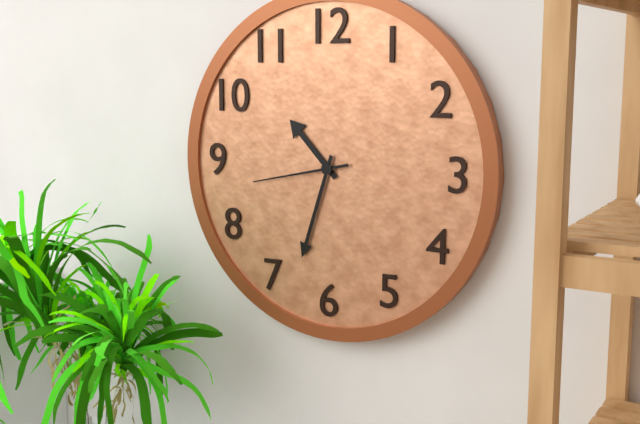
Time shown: {"hour": 10, "minute": 33, "second": 43}
